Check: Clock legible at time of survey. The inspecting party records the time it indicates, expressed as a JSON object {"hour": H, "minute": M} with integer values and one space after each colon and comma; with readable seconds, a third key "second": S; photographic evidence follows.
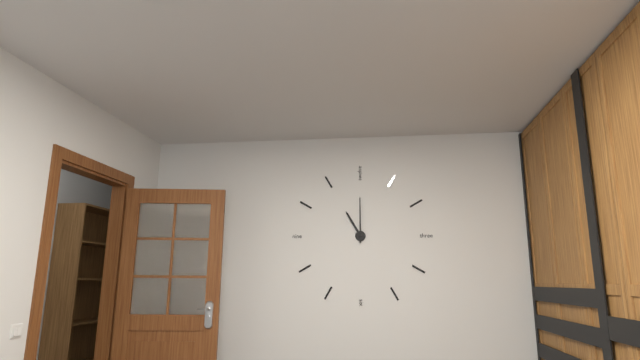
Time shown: {"hour": 11, "minute": 0}
